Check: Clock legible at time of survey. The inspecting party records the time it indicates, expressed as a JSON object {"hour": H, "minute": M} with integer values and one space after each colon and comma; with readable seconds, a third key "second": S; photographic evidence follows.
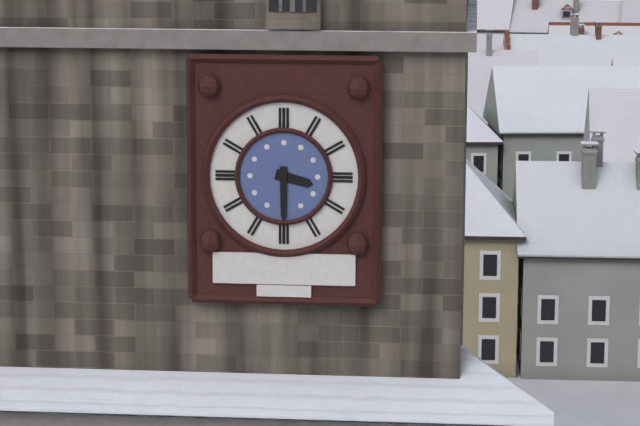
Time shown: {"hour": 3, "minute": 30}
